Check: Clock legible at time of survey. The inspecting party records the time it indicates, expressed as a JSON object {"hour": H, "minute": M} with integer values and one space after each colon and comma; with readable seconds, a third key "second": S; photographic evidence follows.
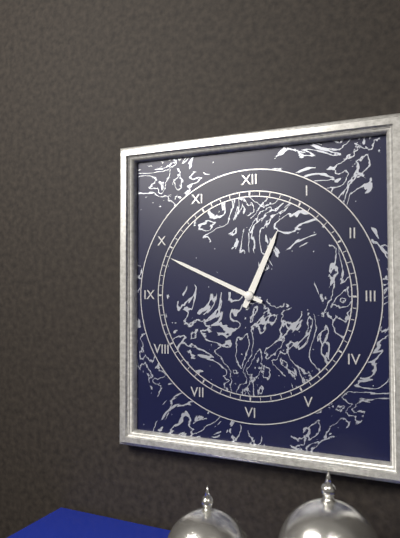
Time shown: {"hour": 12, "minute": 49}
